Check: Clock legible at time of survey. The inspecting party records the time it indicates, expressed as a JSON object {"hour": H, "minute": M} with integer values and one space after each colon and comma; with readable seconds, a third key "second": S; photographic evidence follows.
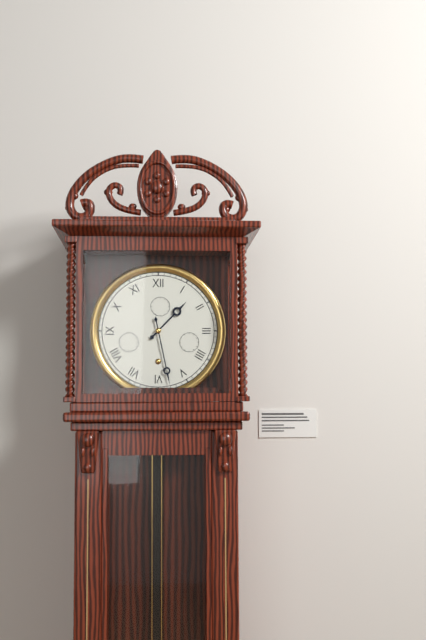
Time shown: {"hour": 1, "minute": 28}
